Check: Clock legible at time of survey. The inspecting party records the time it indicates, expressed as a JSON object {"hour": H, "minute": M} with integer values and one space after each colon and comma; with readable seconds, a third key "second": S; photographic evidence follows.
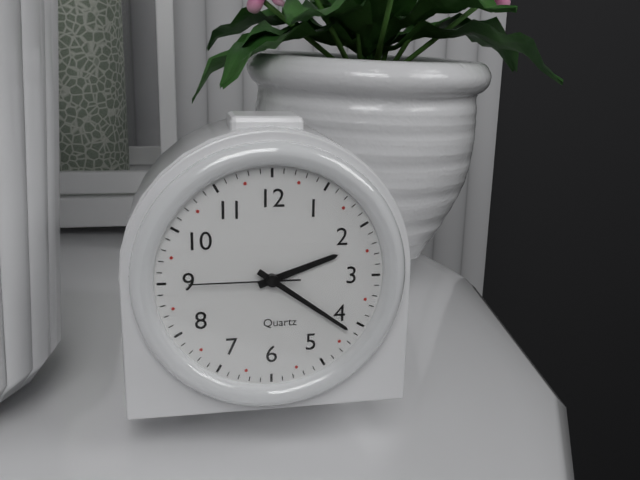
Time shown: {"hour": 2, "minute": 21, "second": 45}
